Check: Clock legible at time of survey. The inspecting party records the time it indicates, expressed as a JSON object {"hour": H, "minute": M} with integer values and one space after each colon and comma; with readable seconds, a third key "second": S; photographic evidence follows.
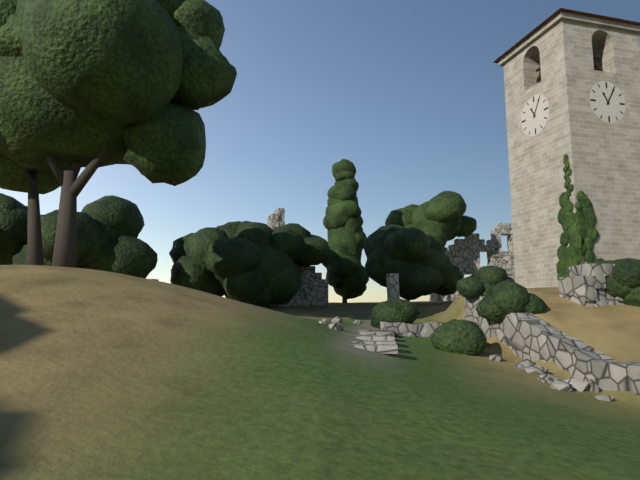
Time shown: {"hour": 11, "minute": 5}
